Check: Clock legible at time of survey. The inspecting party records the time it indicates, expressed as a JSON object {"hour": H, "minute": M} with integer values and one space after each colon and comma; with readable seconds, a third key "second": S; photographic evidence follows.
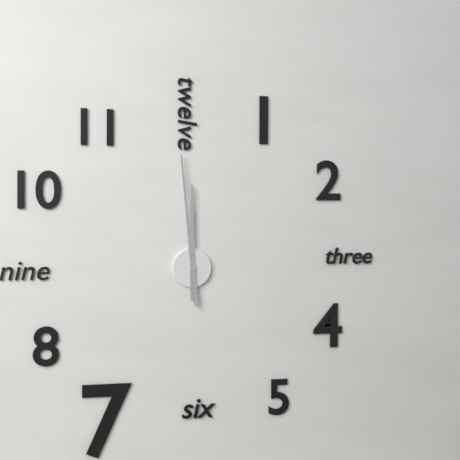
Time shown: {"hour": 11, "minute": 59}
